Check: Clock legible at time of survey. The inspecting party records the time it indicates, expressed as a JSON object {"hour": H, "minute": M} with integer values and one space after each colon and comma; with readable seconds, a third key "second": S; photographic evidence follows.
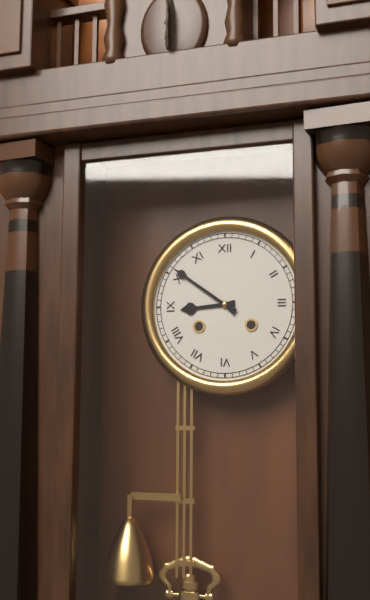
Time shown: {"hour": 8, "minute": 51}
